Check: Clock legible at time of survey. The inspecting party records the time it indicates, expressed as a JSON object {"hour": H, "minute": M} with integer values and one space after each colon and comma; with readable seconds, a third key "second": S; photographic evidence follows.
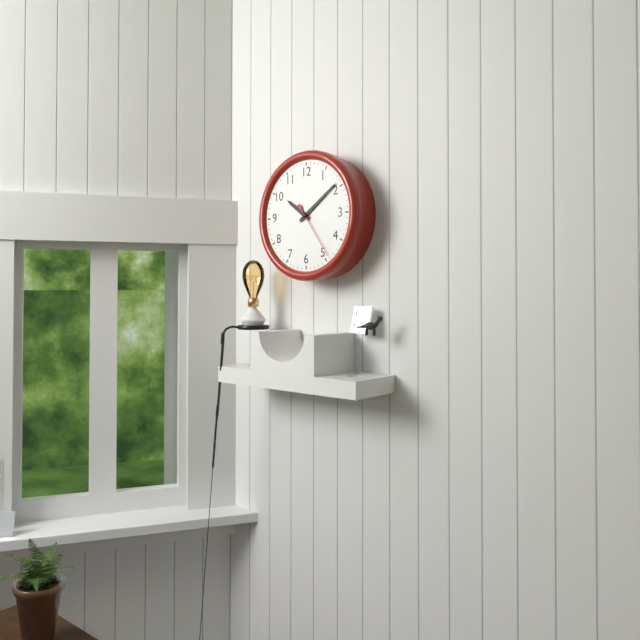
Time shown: {"hour": 10, "minute": 9}
